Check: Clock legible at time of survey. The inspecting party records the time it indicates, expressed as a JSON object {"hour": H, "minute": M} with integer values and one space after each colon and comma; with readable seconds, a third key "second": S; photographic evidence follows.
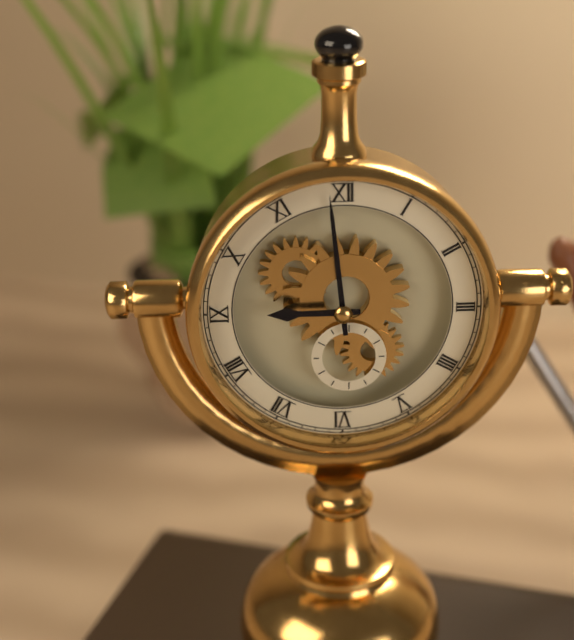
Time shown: {"hour": 8, "minute": 59}
